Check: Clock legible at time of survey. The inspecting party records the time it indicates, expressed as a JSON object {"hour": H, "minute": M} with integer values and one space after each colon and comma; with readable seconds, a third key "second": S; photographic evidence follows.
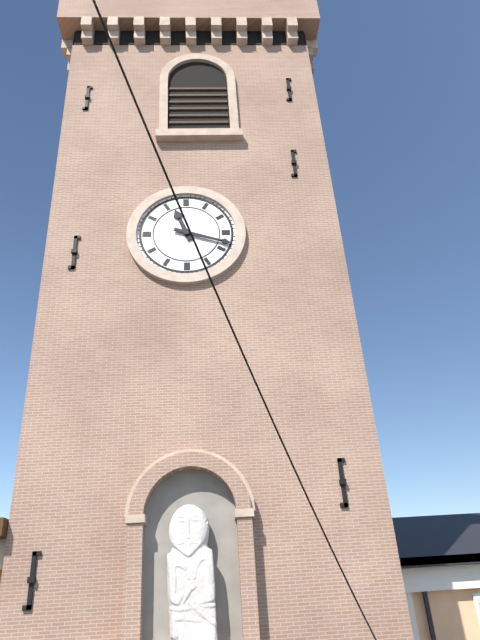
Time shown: {"hour": 11, "minute": 18}
